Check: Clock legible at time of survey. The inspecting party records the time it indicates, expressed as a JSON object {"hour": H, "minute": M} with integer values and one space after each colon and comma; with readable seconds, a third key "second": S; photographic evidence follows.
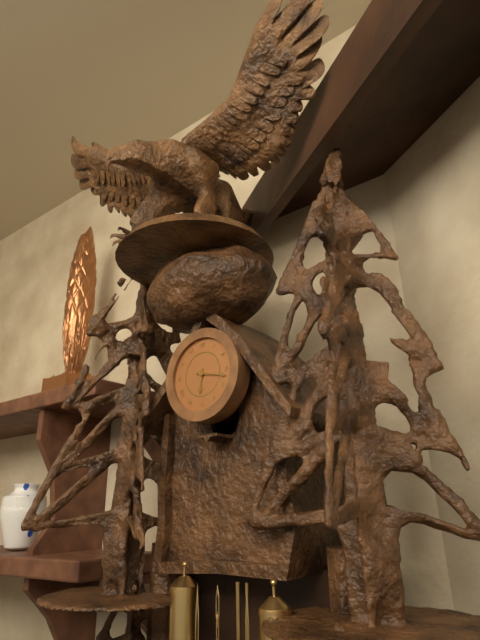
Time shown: {"hour": 6, "minute": 17}
